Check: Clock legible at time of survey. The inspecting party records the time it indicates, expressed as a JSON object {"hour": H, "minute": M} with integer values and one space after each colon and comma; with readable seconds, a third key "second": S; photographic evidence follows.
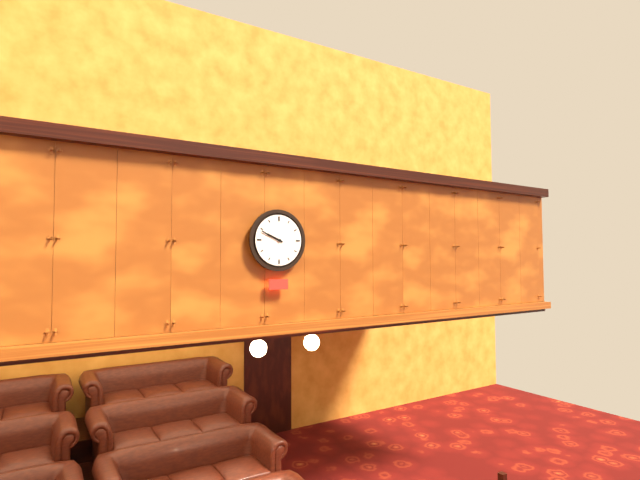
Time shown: {"hour": 9, "minute": 49}
